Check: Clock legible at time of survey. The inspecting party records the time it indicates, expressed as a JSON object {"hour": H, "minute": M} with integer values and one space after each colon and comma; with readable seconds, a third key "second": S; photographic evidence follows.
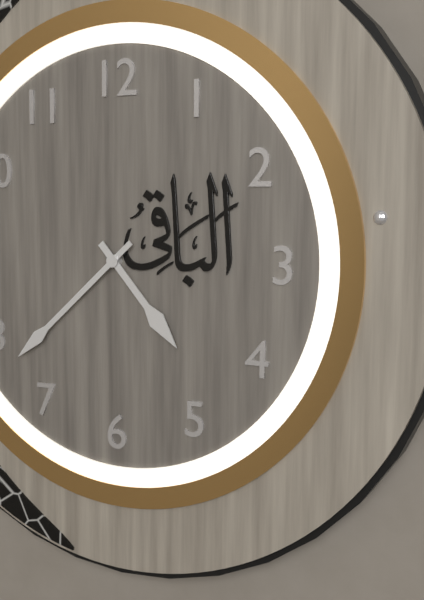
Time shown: {"hour": 4, "minute": 38}
